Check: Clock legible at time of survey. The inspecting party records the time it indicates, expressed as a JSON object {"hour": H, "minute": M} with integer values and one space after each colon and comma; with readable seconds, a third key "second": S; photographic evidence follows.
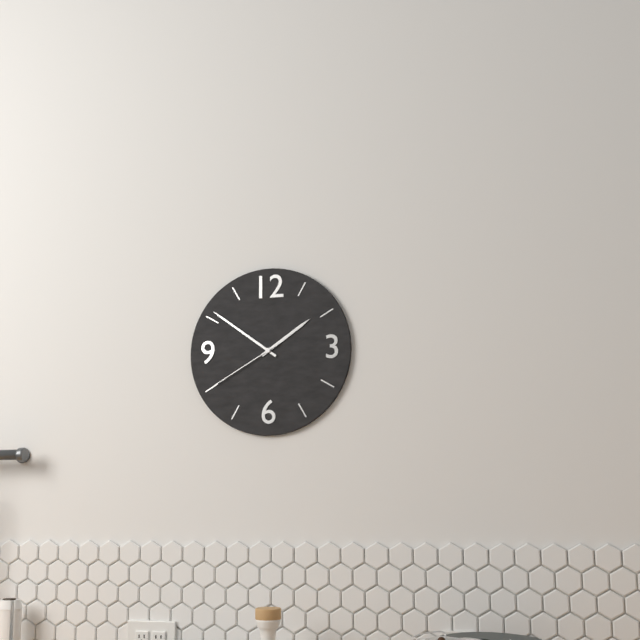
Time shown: {"hour": 1, "minute": 51, "second": 40}
